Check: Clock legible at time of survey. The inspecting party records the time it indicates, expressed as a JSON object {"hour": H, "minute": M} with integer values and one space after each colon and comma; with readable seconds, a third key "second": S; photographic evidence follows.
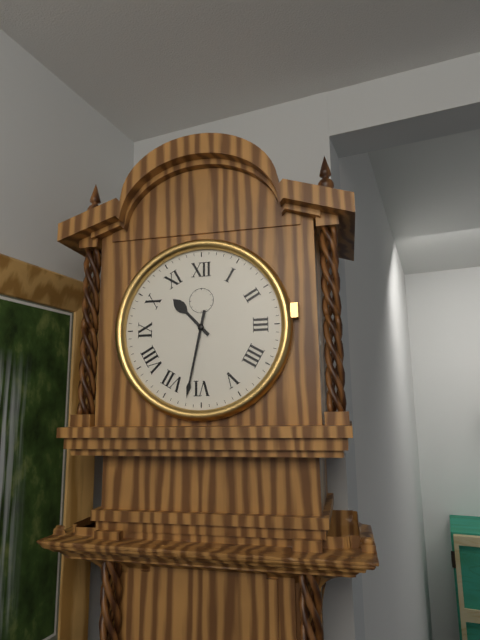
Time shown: {"hour": 10, "minute": 32}
